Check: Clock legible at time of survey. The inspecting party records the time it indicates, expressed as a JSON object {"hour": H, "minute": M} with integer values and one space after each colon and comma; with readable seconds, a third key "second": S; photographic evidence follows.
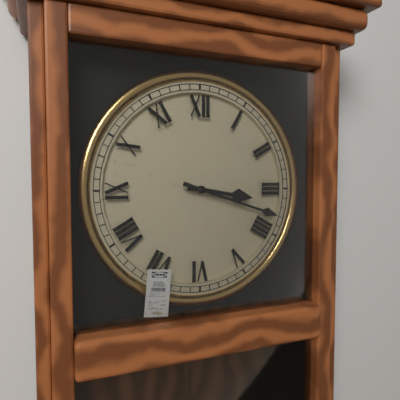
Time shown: {"hour": 3, "minute": 18}
